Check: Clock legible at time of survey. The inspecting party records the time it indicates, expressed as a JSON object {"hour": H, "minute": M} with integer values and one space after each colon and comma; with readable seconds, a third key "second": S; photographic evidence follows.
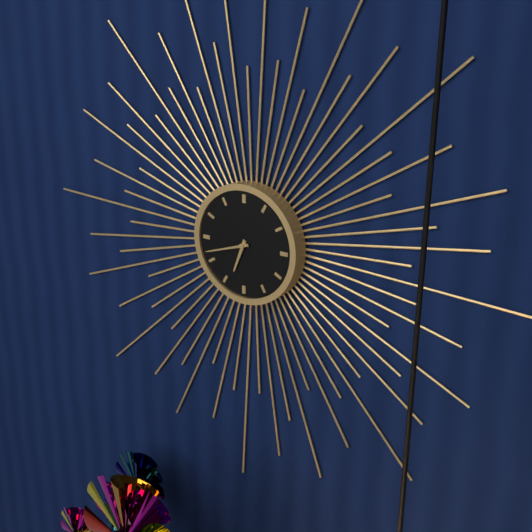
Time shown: {"hour": 6, "minute": 42}
